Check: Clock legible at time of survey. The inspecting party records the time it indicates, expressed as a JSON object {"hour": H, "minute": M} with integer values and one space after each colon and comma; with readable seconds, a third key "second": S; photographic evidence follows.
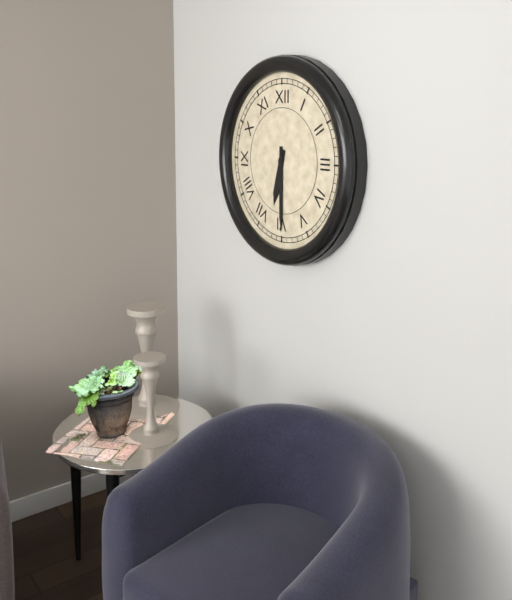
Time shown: {"hour": 6, "minute": 30}
